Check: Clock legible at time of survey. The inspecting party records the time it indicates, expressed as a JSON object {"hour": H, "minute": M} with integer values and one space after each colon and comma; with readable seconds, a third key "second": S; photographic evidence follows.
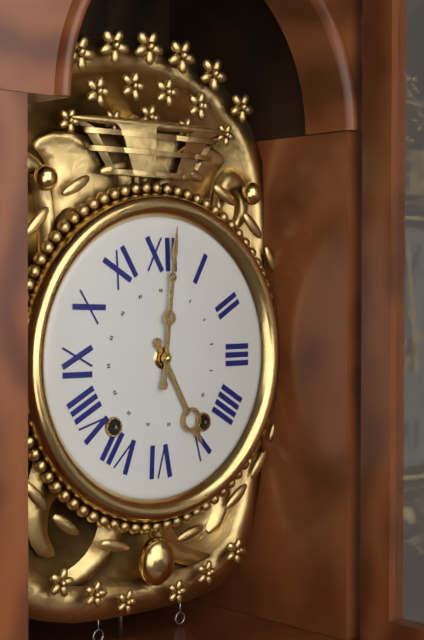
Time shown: {"hour": 5, "minute": 1}
